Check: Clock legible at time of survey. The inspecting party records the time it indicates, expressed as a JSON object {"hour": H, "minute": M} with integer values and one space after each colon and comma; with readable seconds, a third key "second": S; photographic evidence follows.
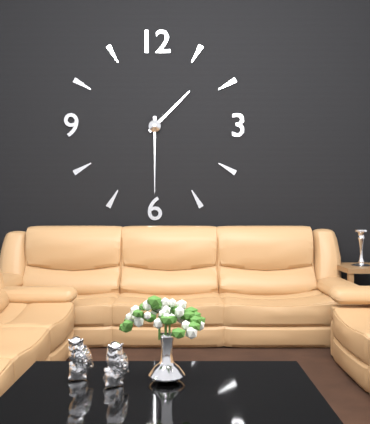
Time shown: {"hour": 1, "minute": 30}
